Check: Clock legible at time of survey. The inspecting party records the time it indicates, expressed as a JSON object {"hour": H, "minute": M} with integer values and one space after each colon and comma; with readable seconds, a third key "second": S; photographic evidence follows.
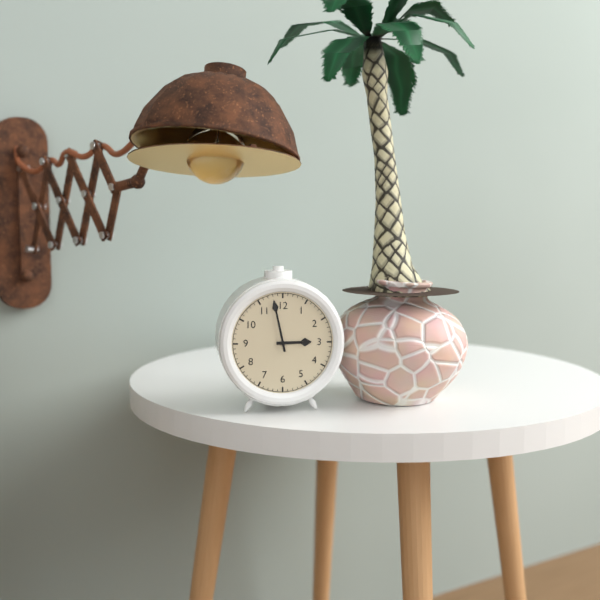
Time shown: {"hour": 2, "minute": 58}
